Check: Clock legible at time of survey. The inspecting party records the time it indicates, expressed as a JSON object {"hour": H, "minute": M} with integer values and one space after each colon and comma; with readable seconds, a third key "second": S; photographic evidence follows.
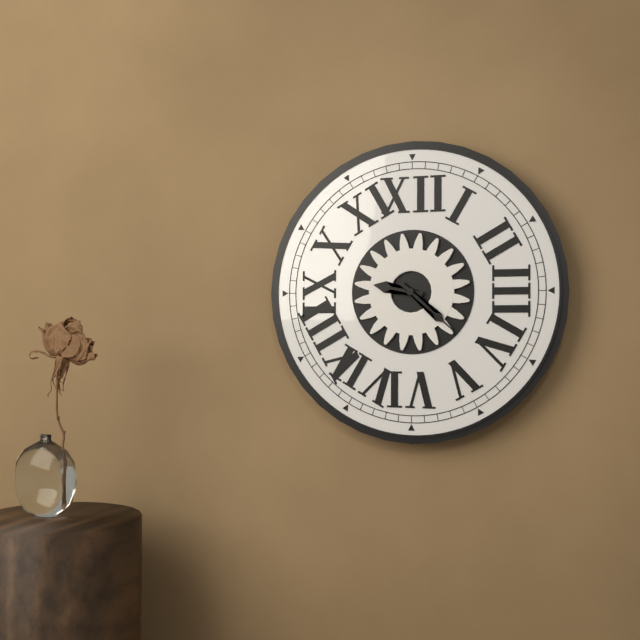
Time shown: {"hour": 9, "minute": 22}
